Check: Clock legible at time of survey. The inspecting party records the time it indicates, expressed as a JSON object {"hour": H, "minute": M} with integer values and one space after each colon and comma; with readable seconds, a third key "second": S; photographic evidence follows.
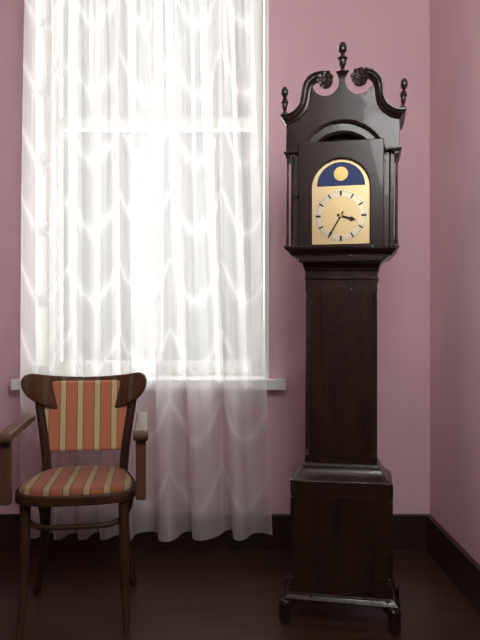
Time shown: {"hour": 3, "minute": 35}
